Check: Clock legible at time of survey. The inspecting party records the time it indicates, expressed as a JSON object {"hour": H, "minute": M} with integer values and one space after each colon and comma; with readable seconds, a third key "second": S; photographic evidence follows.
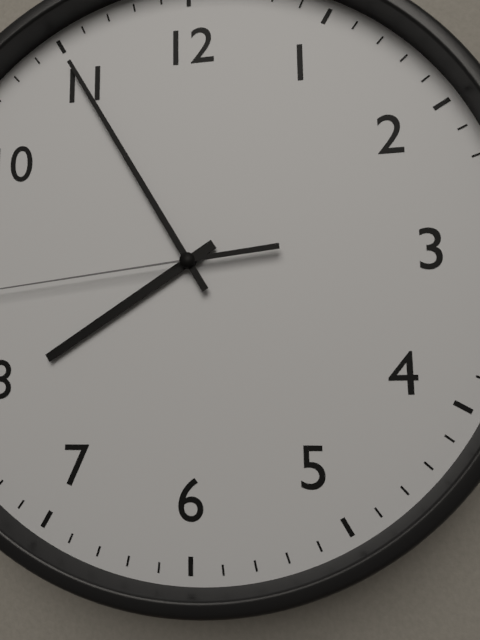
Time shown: {"hour": 7, "minute": 55}
